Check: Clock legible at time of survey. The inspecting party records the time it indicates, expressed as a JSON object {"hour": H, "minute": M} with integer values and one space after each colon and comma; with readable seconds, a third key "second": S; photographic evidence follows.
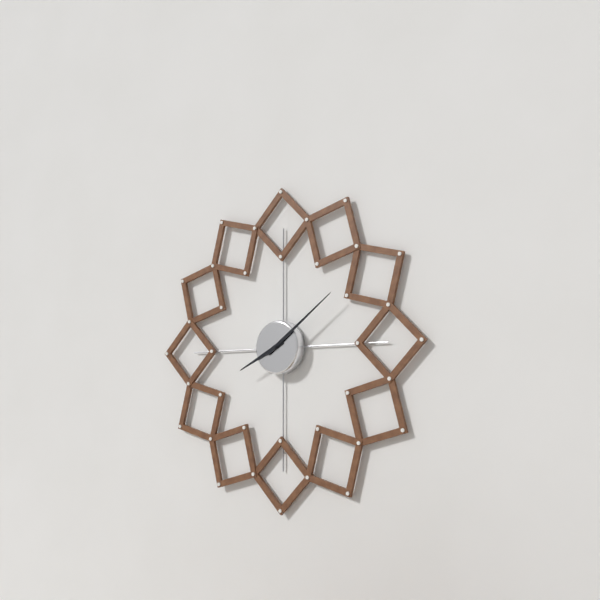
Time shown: {"hour": 8, "minute": 9}
